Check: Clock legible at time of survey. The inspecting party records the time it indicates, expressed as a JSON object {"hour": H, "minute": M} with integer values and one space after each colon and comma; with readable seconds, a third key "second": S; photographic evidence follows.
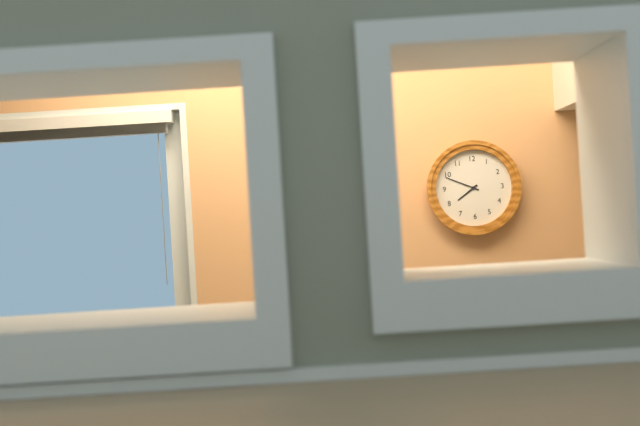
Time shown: {"hour": 7, "minute": 49}
